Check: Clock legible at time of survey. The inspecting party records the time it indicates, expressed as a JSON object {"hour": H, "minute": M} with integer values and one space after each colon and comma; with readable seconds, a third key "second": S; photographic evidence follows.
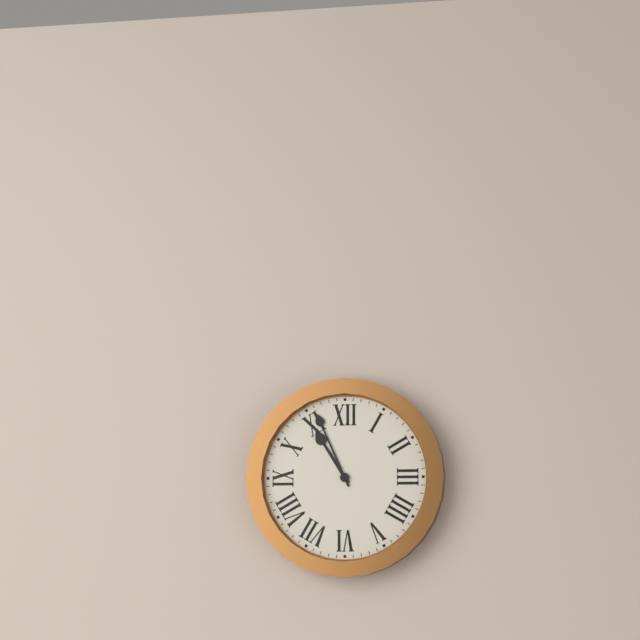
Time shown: {"hour": 10, "minute": 56}
